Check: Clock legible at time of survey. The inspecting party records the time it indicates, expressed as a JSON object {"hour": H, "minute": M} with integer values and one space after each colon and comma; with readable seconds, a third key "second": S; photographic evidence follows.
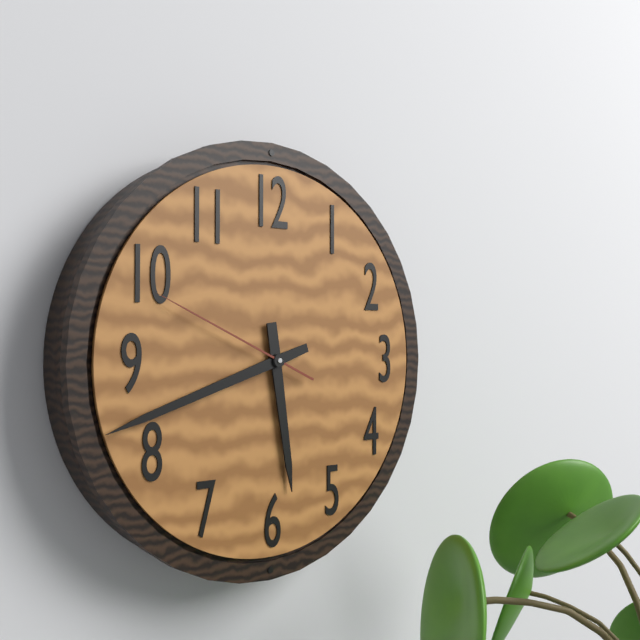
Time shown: {"hour": 5, "minute": 42, "second": 49}
